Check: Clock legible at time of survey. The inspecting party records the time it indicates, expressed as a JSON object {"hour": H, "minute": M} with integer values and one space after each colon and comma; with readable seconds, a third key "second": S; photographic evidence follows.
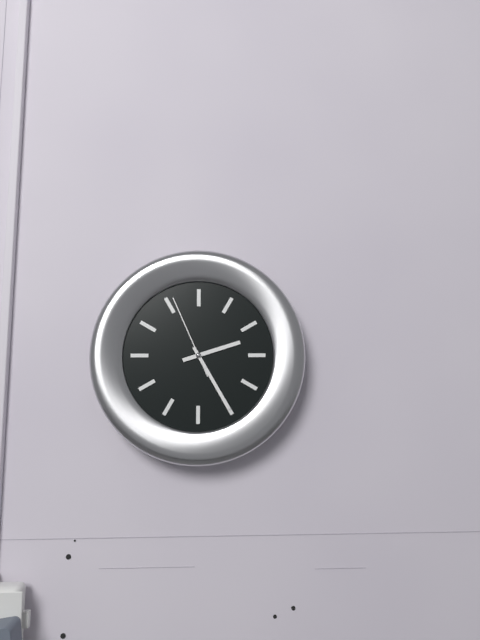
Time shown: {"hour": 2, "minute": 25, "second": 56}
